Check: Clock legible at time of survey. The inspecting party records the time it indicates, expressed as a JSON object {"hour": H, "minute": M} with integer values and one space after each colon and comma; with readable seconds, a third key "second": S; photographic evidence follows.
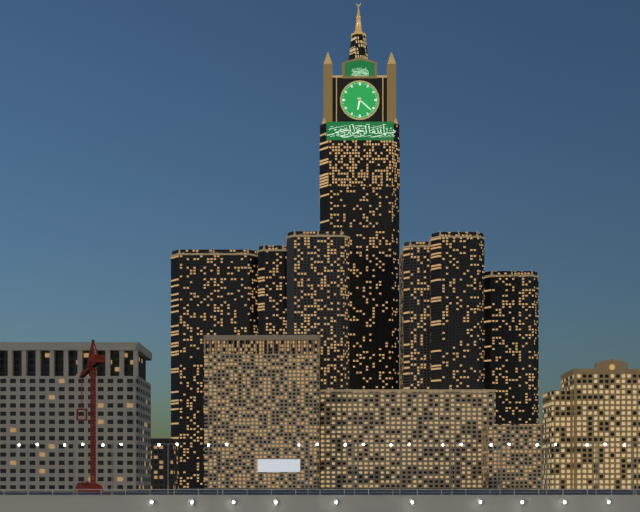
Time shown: {"hour": 6, "minute": 22}
